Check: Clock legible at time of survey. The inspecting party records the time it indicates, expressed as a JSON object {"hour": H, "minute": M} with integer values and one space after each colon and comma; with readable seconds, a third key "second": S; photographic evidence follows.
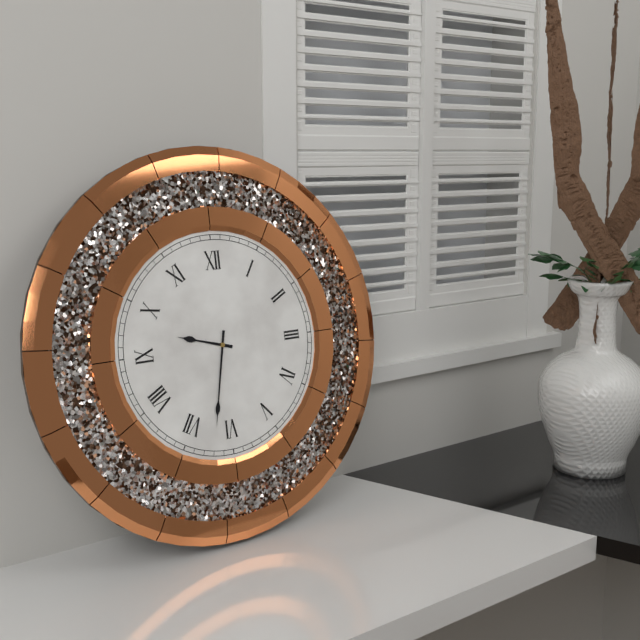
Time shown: {"hour": 9, "minute": 32}
